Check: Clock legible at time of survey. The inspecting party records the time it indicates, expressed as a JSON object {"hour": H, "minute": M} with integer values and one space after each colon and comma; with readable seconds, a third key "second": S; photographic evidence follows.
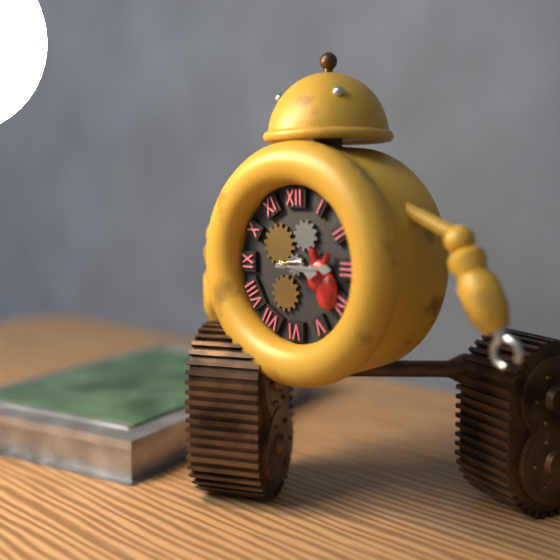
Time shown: {"hour": 3, "minute": 15}
